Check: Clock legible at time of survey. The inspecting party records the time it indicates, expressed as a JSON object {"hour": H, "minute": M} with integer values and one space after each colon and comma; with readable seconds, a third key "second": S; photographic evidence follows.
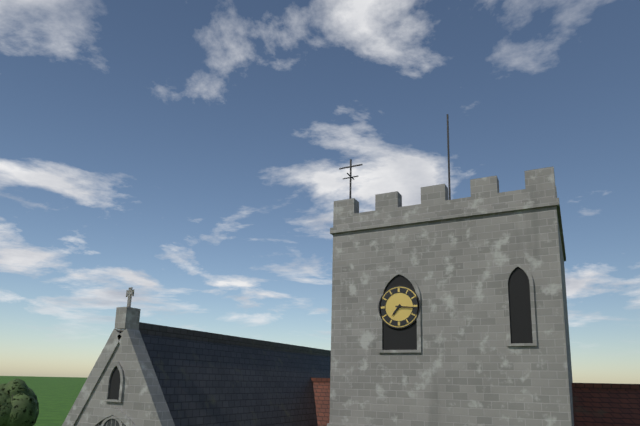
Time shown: {"hour": 7, "minute": 16}
